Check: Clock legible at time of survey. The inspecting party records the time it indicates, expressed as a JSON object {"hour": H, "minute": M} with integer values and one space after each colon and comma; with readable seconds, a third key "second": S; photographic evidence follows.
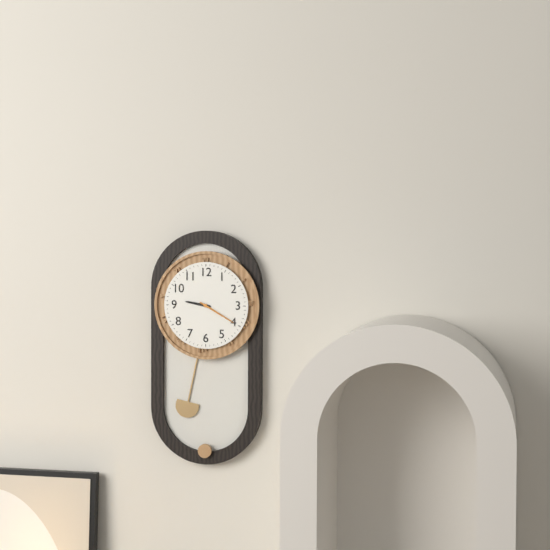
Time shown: {"hour": 9, "minute": 20}
